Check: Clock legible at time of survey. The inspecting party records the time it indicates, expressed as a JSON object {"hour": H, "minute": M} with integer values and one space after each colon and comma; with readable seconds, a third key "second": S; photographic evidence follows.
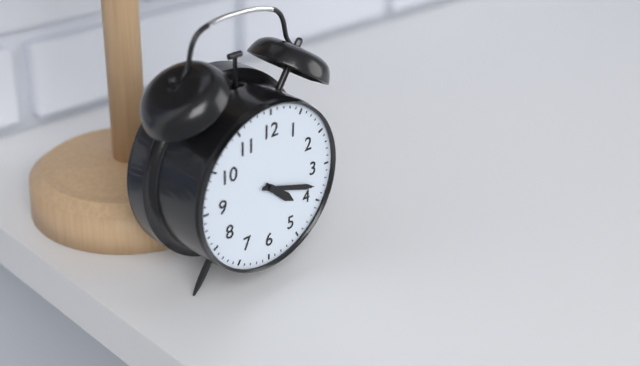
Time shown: {"hour": 4, "minute": 18}
